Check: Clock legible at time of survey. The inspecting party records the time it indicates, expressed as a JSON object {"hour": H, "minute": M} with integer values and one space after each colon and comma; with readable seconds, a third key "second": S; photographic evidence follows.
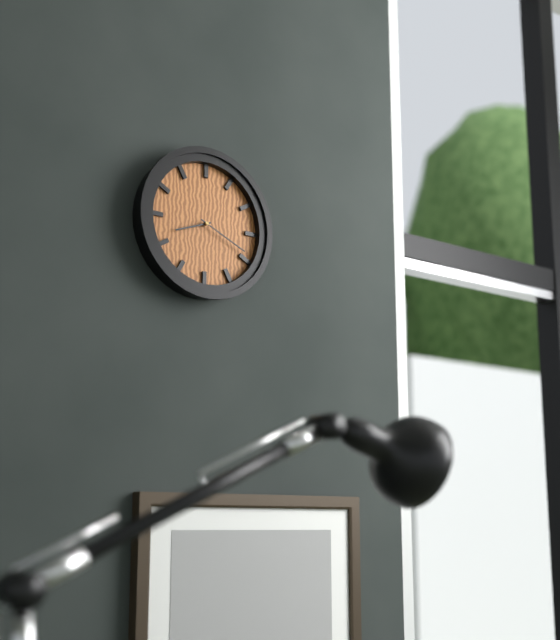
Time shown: {"hour": 8, "minute": 19}
